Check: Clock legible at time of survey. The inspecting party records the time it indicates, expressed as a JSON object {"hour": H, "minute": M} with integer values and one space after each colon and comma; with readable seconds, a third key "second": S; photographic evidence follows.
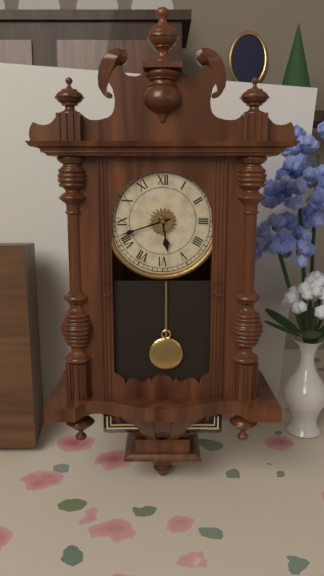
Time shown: {"hour": 5, "minute": 42}
